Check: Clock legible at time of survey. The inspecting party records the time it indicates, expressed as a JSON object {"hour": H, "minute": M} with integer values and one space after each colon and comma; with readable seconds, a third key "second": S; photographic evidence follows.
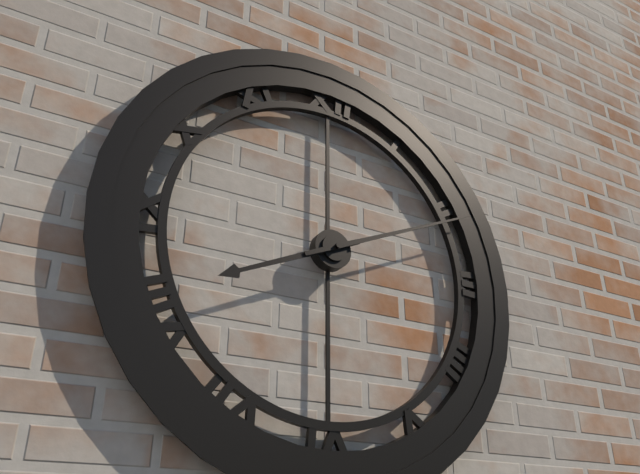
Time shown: {"hour": 8, "minute": 11}
